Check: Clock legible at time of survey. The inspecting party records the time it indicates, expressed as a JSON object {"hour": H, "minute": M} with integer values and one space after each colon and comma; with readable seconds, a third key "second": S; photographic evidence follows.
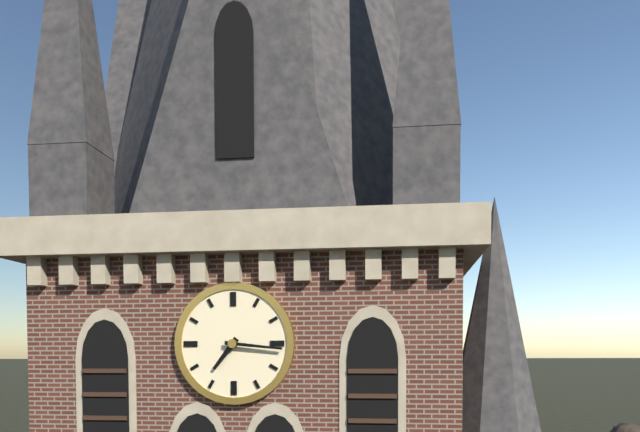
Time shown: {"hour": 7, "minute": 16}
